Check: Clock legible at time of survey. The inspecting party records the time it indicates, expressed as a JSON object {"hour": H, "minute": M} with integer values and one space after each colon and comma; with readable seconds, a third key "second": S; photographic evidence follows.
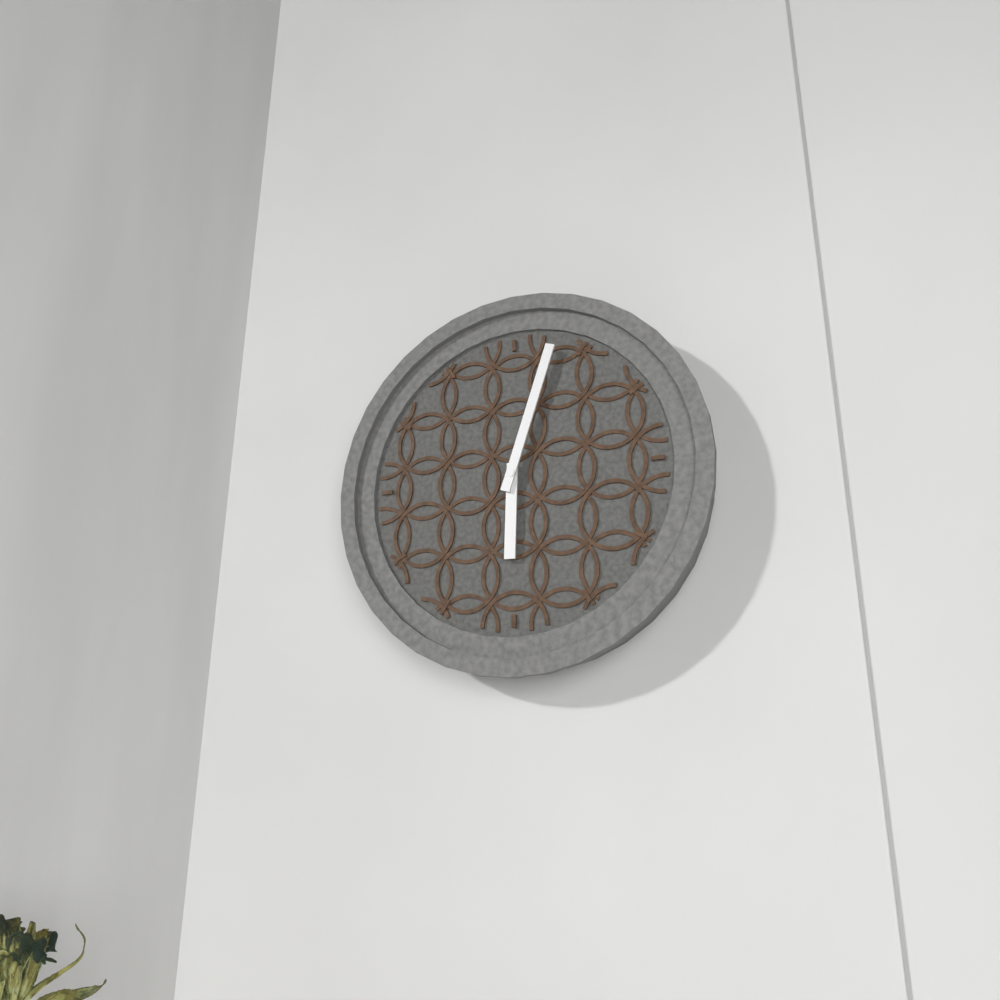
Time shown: {"hour": 6, "minute": 3}
